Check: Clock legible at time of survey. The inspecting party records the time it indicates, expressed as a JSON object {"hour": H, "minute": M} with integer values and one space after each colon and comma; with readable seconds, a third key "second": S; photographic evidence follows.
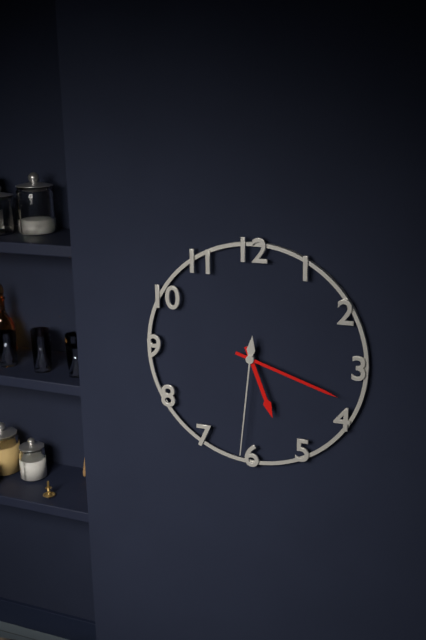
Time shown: {"hour": 5, "minute": 18, "second": 31}
